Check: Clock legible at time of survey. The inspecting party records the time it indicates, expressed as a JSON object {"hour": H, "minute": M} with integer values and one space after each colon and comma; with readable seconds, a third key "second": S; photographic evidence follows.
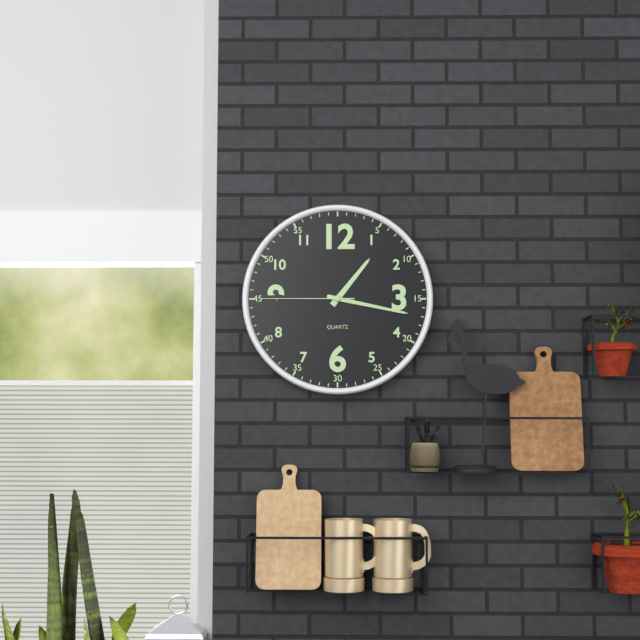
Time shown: {"hour": 1, "minute": 17, "second": 45}
